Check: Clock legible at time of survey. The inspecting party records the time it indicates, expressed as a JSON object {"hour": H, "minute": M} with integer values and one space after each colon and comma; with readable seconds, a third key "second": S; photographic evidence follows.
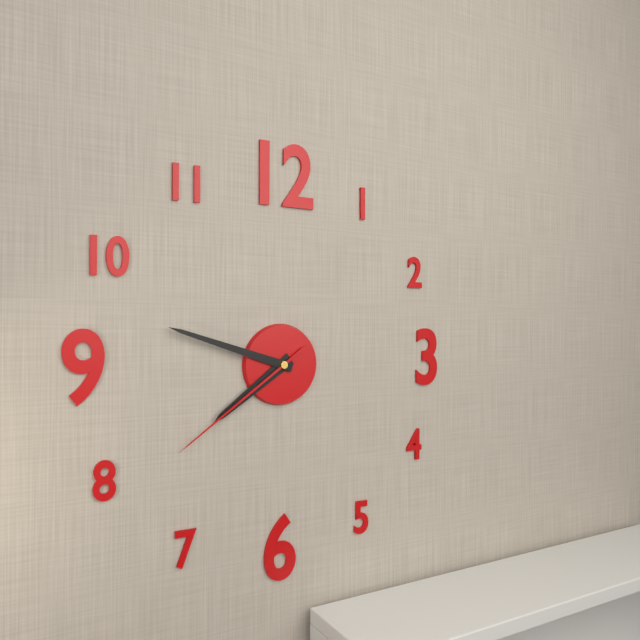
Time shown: {"hour": 7, "minute": 48, "second": 39}
